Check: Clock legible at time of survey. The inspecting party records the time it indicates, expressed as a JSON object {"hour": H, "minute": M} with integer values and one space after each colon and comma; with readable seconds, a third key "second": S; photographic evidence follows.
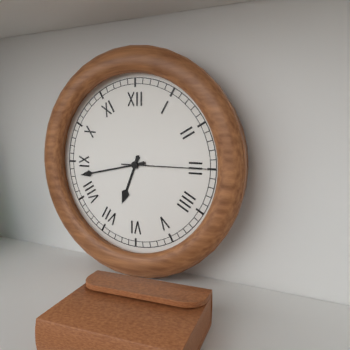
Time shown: {"hour": 6, "minute": 43, "second": 15}
